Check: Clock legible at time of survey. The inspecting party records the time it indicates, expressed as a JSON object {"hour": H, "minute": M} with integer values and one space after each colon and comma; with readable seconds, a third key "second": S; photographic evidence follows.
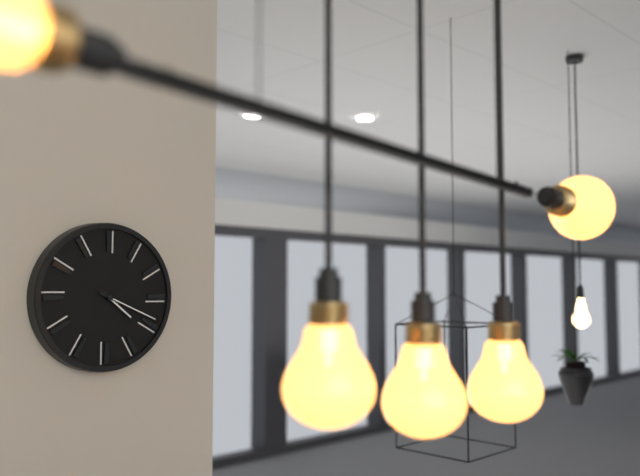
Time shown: {"hour": 4, "minute": 19}
